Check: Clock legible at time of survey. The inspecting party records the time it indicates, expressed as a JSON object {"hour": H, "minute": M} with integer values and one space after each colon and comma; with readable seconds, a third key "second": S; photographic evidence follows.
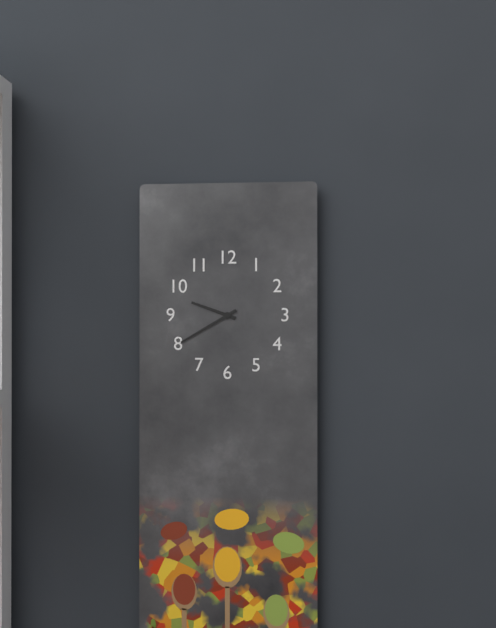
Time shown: {"hour": 9, "minute": 40}
